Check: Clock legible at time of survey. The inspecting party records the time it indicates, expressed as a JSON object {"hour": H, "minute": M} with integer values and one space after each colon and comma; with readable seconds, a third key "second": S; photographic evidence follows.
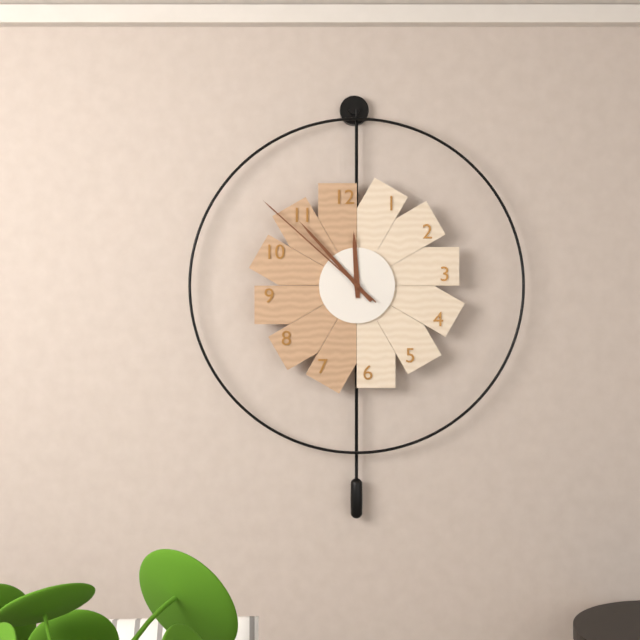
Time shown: {"hour": 11, "minute": 53, "second": 52}
